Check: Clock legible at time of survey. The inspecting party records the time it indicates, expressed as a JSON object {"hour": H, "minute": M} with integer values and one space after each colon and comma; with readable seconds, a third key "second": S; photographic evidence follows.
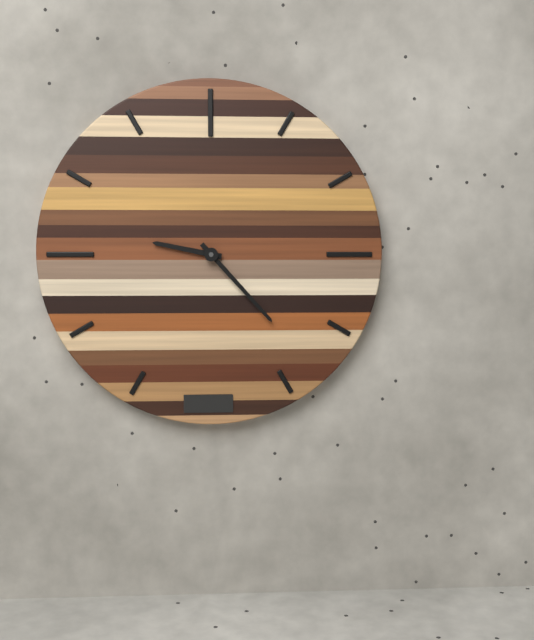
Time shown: {"hour": 9, "minute": 23}
